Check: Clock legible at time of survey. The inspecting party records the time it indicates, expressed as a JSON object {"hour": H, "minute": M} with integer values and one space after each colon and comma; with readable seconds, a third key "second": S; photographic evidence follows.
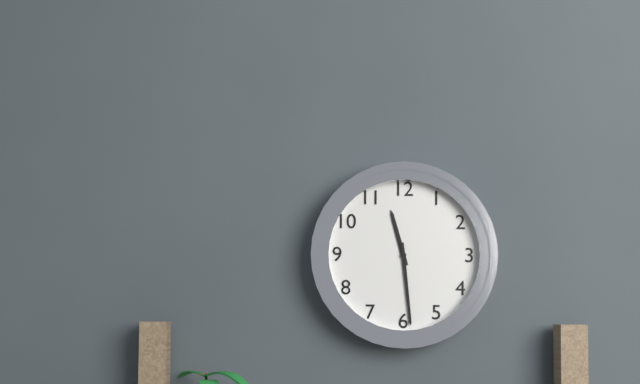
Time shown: {"hour": 11, "minute": 29}
